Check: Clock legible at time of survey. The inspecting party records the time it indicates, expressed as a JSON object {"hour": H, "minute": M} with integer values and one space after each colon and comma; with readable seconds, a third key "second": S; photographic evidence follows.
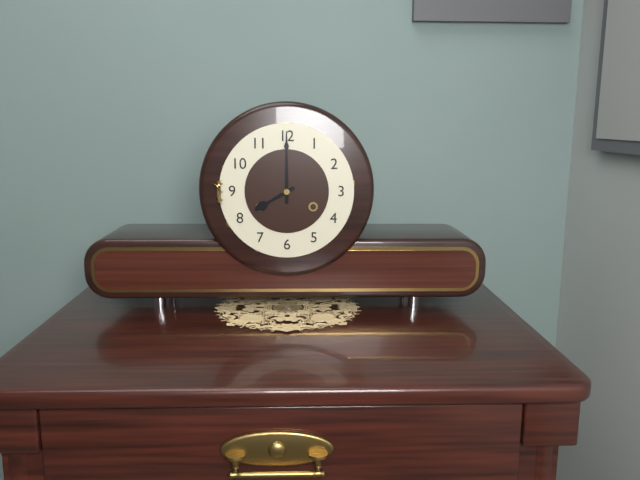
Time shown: {"hour": 8, "minute": 0}
